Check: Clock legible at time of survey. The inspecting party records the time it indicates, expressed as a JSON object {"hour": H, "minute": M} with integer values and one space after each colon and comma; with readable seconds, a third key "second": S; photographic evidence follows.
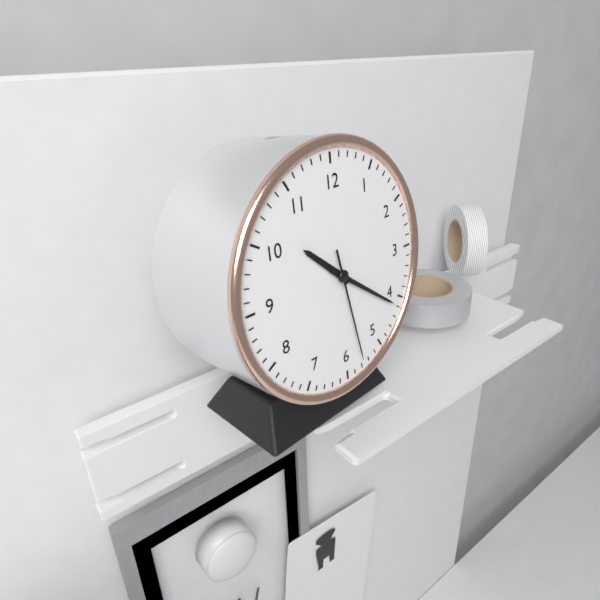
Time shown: {"hour": 10, "minute": 21, "second": 28}
